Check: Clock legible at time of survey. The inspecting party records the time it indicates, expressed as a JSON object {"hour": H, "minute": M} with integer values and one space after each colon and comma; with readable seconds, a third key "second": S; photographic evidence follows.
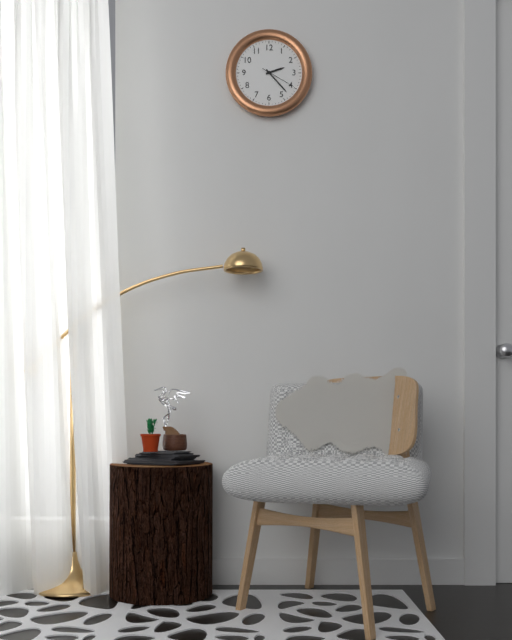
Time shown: {"hour": 2, "minute": 23}
